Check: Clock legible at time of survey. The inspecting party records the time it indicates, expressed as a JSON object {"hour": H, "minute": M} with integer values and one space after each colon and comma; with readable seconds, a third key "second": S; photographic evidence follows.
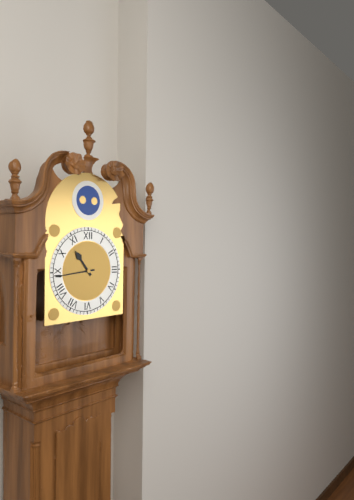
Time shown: {"hour": 10, "minute": 44}
